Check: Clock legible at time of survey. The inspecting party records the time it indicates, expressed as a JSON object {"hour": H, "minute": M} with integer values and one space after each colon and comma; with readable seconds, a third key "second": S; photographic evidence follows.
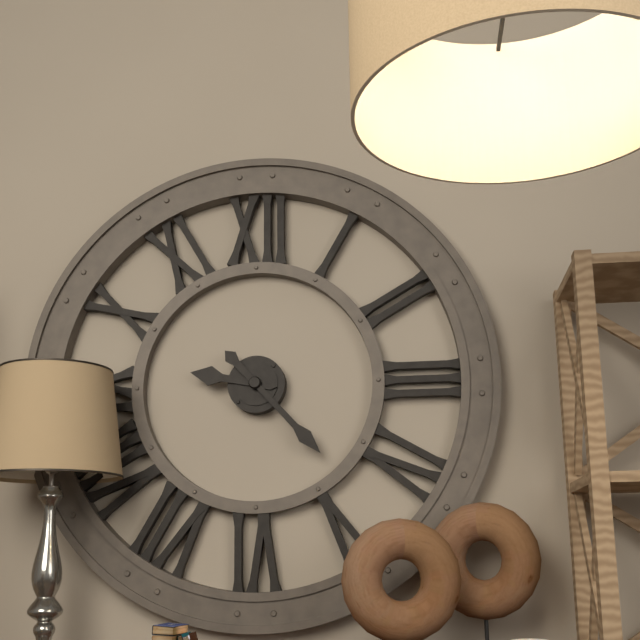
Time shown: {"hour": 9, "minute": 23}
